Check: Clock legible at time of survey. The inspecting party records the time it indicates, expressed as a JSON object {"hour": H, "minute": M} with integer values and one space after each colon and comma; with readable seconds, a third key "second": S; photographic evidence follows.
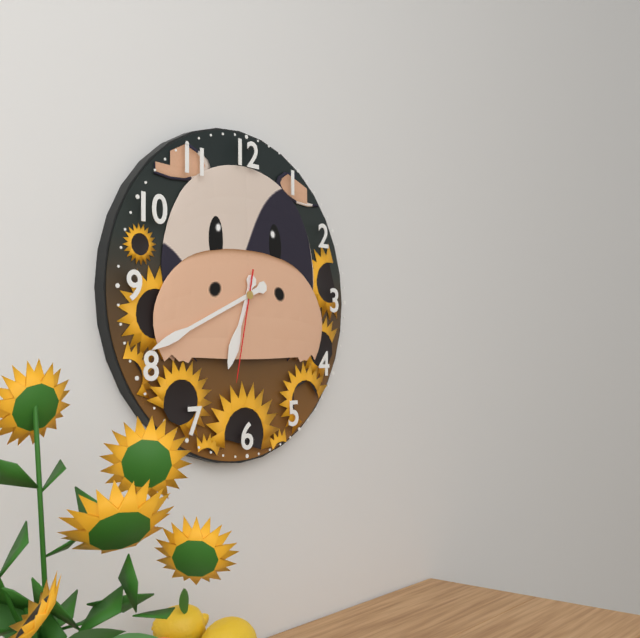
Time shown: {"hour": 6, "minute": 41, "second": 32}
